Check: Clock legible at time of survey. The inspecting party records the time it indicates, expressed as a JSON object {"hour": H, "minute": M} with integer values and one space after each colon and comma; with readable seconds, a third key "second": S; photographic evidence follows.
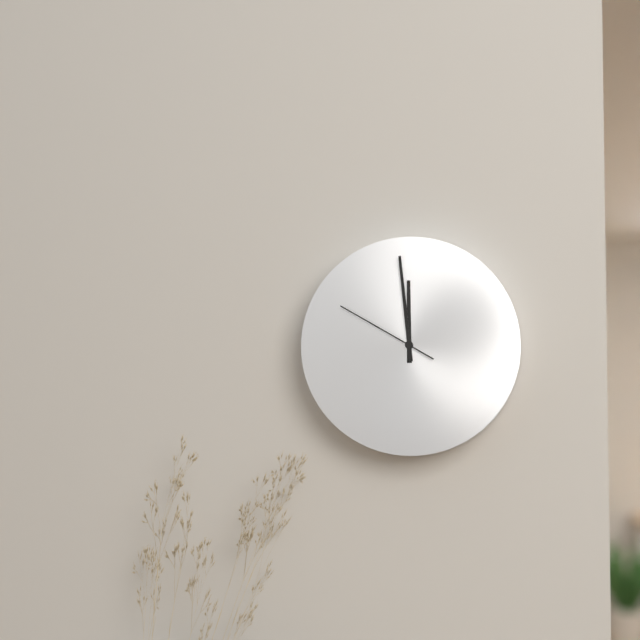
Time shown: {"hour": 11, "minute": 59, "second": 50}
